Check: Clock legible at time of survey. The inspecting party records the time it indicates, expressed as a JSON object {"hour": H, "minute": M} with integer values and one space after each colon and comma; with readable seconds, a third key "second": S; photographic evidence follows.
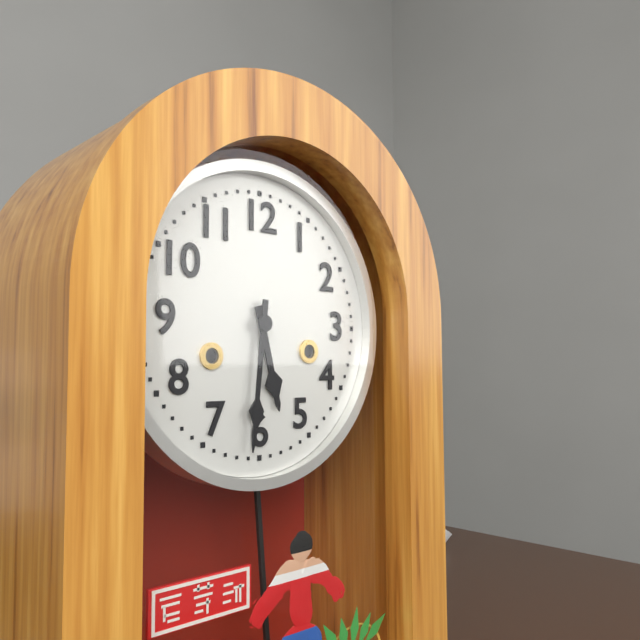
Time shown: {"hour": 5, "minute": 31}
